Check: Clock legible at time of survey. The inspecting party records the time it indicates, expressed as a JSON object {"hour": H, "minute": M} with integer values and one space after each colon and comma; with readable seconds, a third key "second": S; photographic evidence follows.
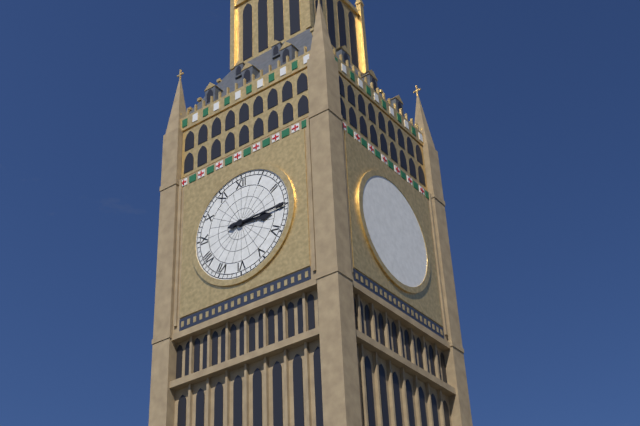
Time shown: {"hour": 3, "minute": 15}
